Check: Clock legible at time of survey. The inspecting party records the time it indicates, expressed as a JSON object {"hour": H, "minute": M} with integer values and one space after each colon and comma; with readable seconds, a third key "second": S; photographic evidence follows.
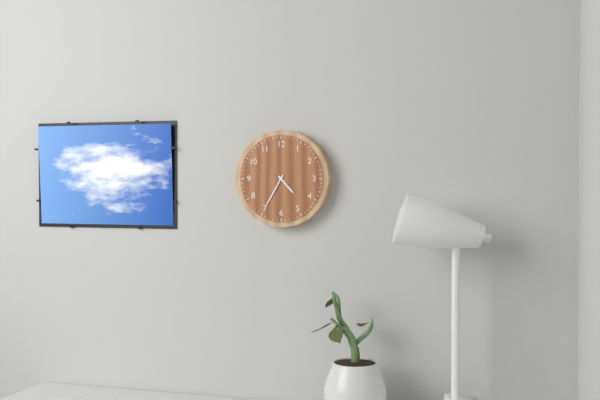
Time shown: {"hour": 4, "minute": 35}
